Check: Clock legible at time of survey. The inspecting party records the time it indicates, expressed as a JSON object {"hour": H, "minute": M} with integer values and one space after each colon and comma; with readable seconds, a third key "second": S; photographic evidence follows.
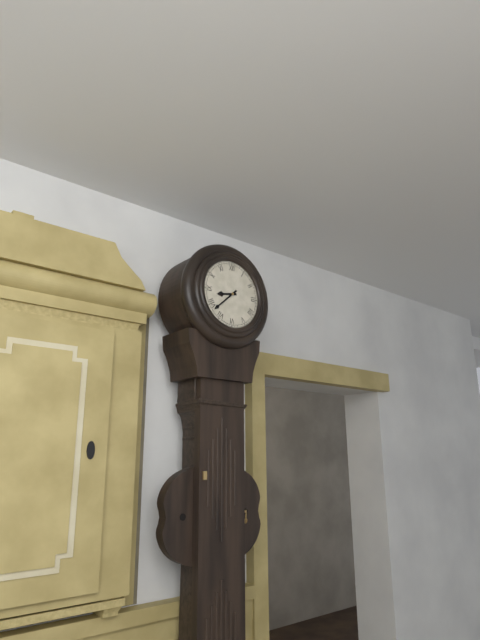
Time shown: {"hour": 8, "minute": 38}
